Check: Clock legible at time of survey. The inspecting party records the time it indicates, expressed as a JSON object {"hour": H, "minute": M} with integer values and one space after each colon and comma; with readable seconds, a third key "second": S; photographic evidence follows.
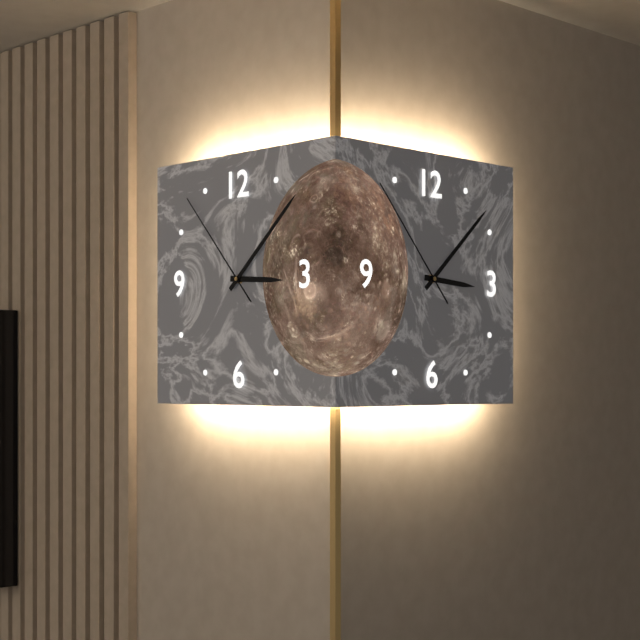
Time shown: {"hour": 3, "minute": 8, "second": 53}
